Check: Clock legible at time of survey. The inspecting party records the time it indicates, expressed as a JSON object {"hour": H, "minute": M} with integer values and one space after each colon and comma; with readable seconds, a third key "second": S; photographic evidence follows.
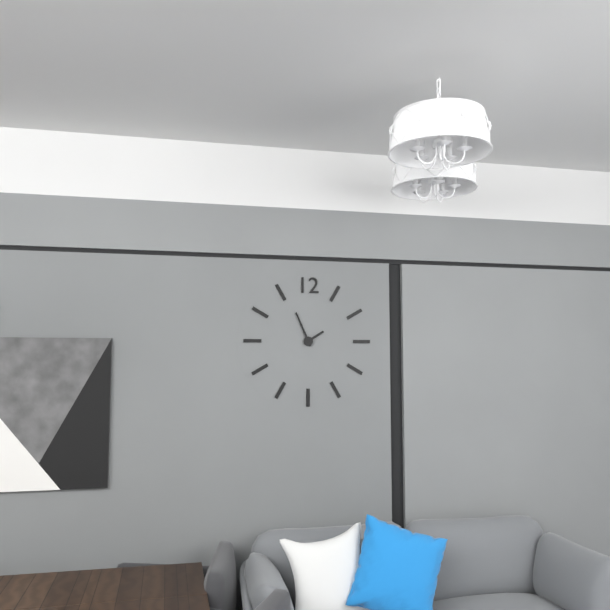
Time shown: {"hour": 1, "minute": 56}
